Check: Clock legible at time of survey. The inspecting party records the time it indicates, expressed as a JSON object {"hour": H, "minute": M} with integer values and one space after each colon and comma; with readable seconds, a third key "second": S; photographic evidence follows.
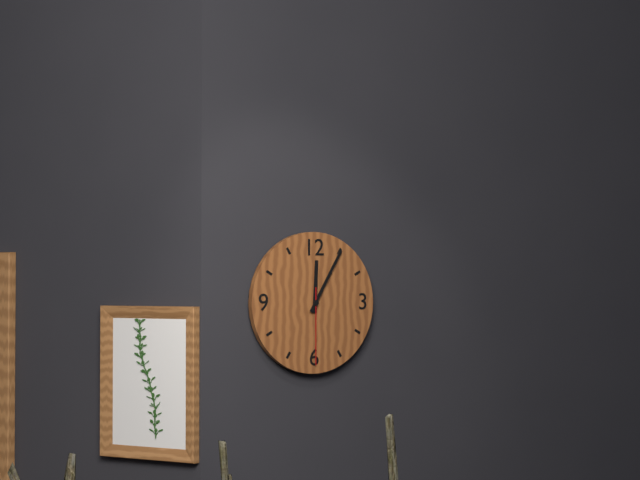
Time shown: {"hour": 12, "minute": 5, "second": 30}
